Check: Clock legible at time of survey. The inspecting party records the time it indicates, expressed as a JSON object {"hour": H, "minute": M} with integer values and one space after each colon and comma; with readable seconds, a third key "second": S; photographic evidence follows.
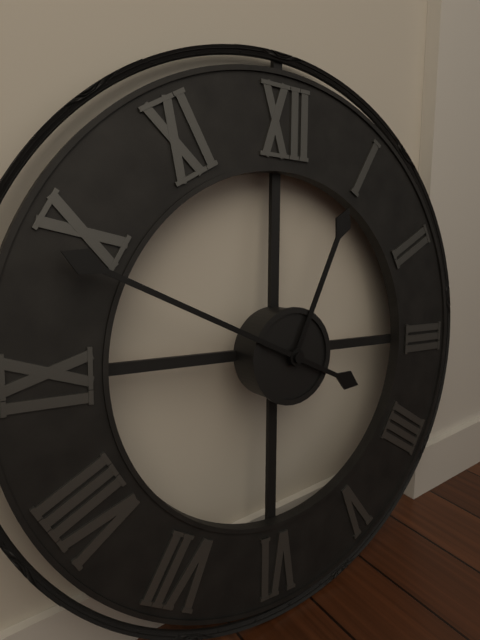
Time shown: {"hour": 12, "minute": 49}
